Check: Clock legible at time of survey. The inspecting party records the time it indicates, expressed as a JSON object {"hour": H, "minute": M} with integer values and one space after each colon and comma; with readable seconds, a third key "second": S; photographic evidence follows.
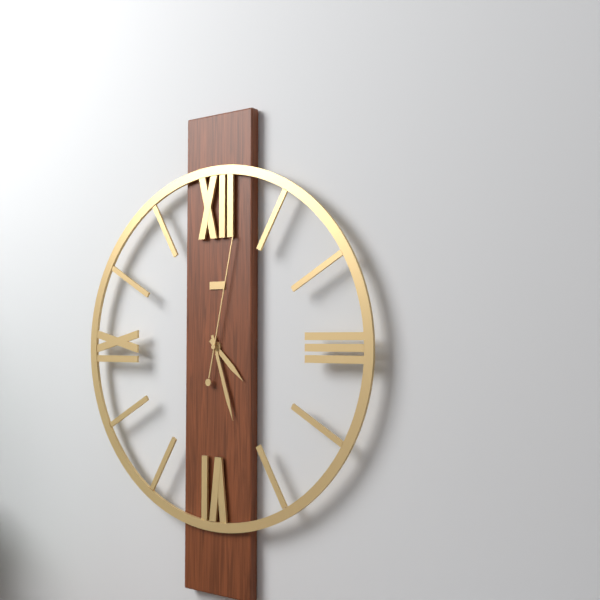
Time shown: {"hour": 4, "minute": 27, "second": 2}
